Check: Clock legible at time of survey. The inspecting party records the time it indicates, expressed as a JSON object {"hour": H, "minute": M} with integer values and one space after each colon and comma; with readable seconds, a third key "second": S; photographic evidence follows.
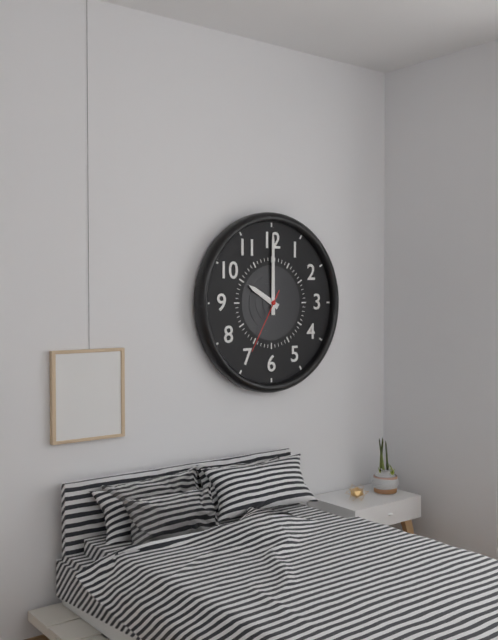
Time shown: {"hour": 10, "minute": 0, "second": 35}
